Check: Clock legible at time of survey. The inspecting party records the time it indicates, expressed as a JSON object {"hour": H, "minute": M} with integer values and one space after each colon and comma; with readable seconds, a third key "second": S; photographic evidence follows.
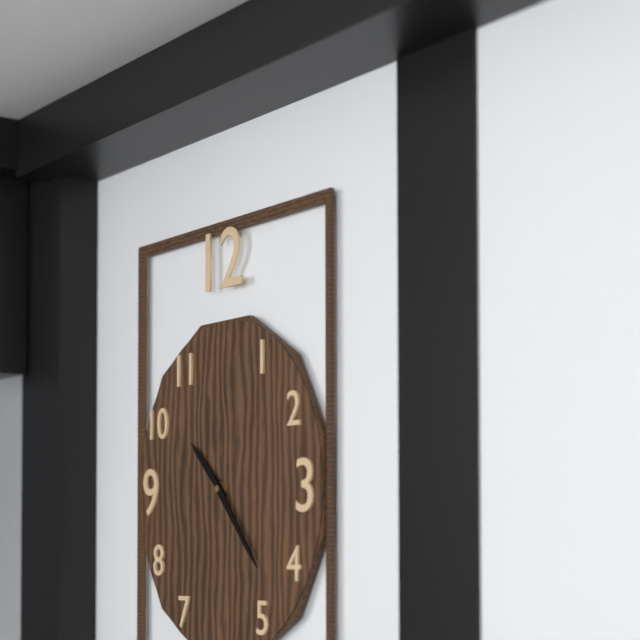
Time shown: {"hour": 10, "minute": 23}
